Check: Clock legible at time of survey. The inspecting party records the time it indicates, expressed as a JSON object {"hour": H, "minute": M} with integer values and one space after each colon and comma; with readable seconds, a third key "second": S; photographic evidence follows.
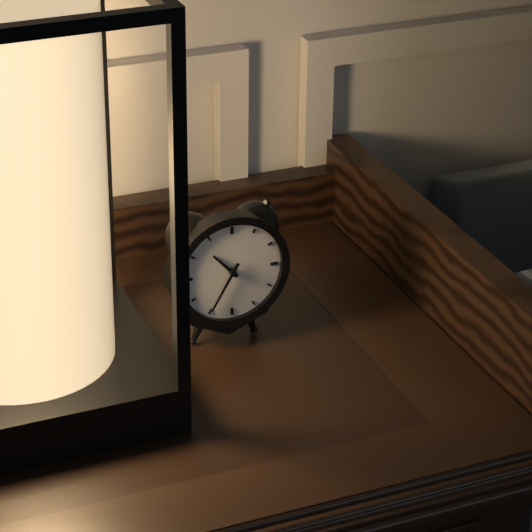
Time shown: {"hour": 10, "minute": 35}
